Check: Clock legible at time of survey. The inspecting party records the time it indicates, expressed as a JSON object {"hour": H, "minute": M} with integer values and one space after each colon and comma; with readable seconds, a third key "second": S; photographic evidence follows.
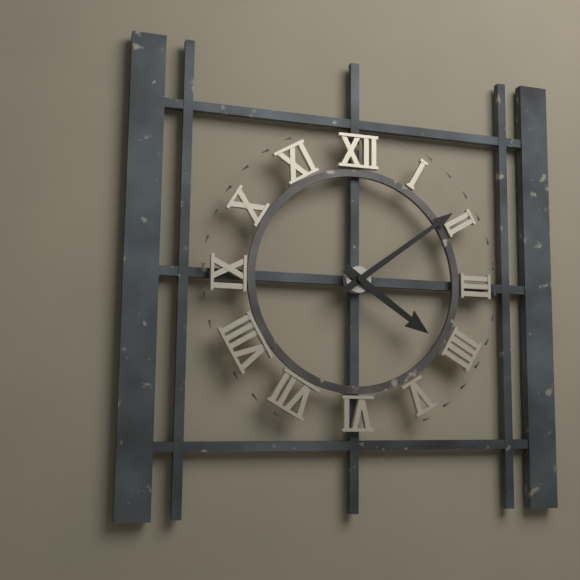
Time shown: {"hour": 4, "minute": 9}
